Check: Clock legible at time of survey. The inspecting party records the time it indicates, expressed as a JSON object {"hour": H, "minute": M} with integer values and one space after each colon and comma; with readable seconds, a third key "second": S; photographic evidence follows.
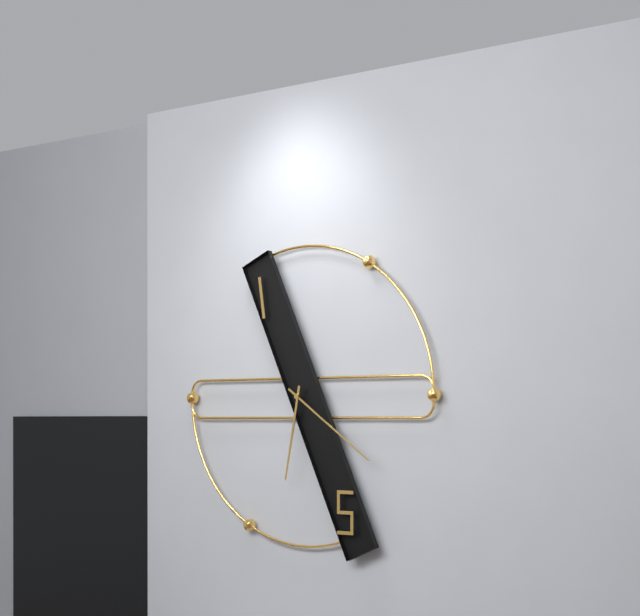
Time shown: {"hour": 6, "minute": 21}
